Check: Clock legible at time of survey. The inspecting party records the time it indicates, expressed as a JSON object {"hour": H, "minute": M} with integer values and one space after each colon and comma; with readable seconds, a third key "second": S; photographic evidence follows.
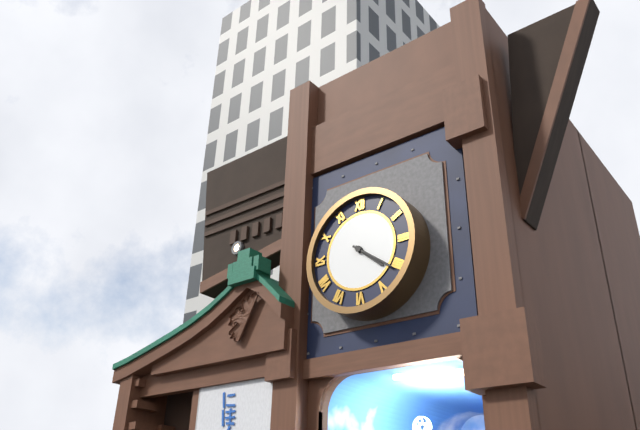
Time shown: {"hour": 4, "minute": 21}
